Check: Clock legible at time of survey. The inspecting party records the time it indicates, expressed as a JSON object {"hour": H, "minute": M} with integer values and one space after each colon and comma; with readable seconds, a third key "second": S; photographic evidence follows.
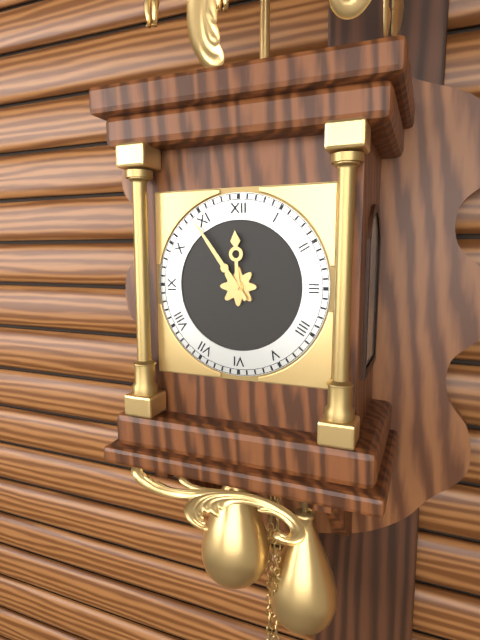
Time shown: {"hour": 11, "minute": 54}
